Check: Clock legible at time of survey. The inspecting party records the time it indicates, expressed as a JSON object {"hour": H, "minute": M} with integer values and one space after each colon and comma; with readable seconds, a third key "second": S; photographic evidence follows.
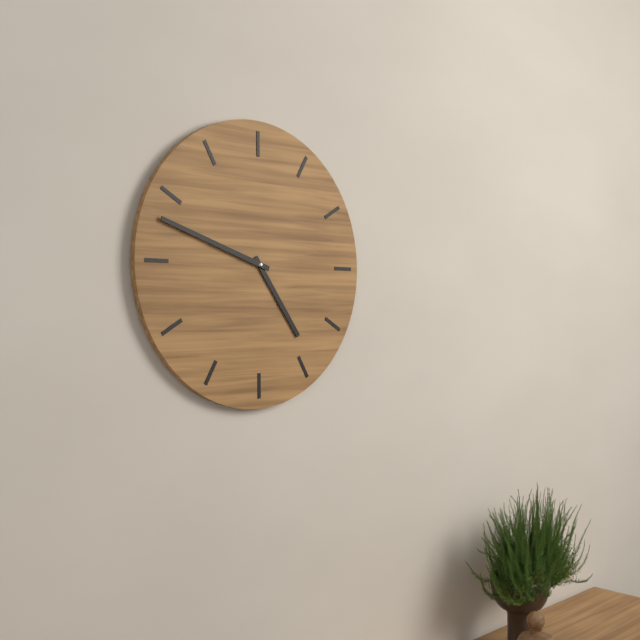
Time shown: {"hour": 4, "minute": 48}
